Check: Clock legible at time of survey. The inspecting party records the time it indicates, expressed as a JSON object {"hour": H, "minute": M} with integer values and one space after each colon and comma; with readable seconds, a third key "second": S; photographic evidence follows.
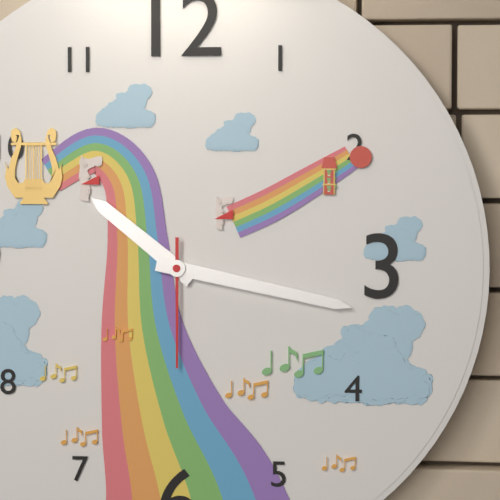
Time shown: {"hour": 10, "minute": 17, "second": 30}
